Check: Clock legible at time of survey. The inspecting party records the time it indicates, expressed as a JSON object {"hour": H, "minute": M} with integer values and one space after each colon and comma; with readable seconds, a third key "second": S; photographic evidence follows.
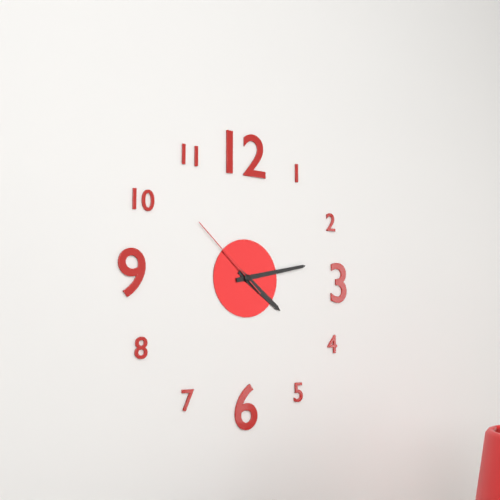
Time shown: {"hour": 4, "minute": 13, "second": 52}
